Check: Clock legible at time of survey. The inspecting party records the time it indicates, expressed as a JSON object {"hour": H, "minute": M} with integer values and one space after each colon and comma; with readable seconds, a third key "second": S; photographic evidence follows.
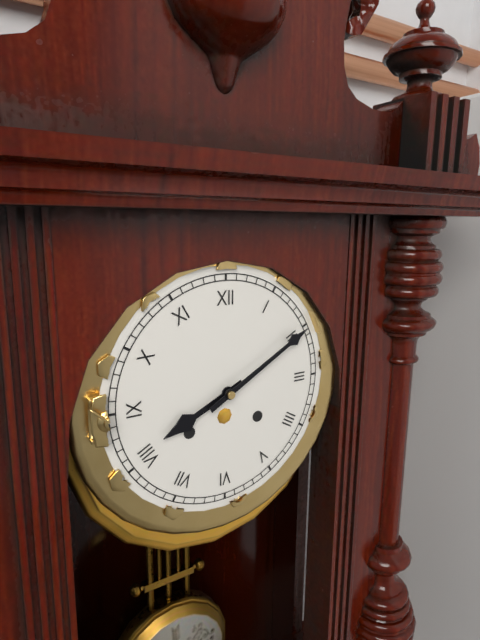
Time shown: {"hour": 8, "minute": 10}
